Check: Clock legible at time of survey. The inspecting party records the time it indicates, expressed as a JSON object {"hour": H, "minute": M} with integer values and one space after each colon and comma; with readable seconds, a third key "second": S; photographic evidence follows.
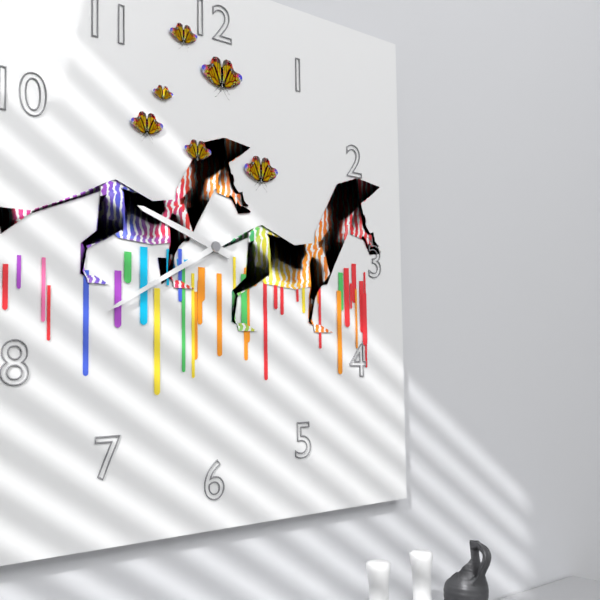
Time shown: {"hour": 9, "minute": 40}
